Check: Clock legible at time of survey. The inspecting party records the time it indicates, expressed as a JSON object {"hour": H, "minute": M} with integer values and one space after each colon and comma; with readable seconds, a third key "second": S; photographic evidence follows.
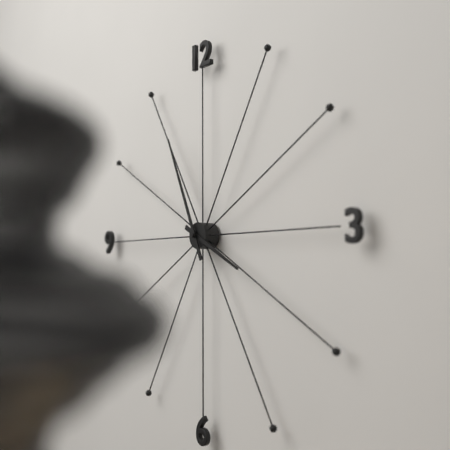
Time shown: {"hour": 3, "minute": 56}
